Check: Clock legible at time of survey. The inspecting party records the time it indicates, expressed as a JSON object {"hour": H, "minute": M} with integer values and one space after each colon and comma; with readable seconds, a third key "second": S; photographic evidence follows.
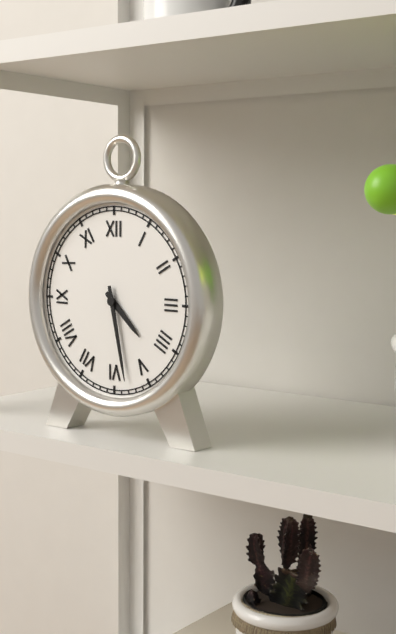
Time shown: {"hour": 4, "minute": 28}
